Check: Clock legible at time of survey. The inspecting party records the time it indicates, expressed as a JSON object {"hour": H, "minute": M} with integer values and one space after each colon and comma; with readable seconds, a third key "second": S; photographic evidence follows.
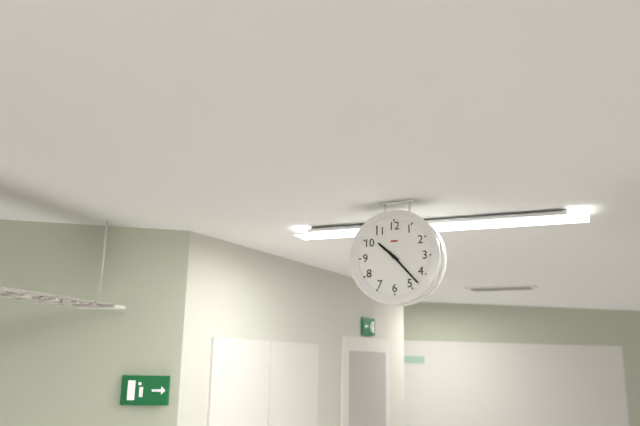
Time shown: {"hour": 10, "minute": 23}
